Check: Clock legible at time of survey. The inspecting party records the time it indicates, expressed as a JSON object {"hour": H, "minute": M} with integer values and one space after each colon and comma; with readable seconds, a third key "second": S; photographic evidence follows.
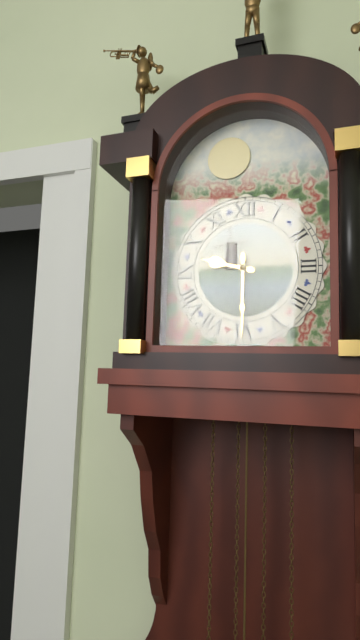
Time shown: {"hour": 9, "minute": 30}
